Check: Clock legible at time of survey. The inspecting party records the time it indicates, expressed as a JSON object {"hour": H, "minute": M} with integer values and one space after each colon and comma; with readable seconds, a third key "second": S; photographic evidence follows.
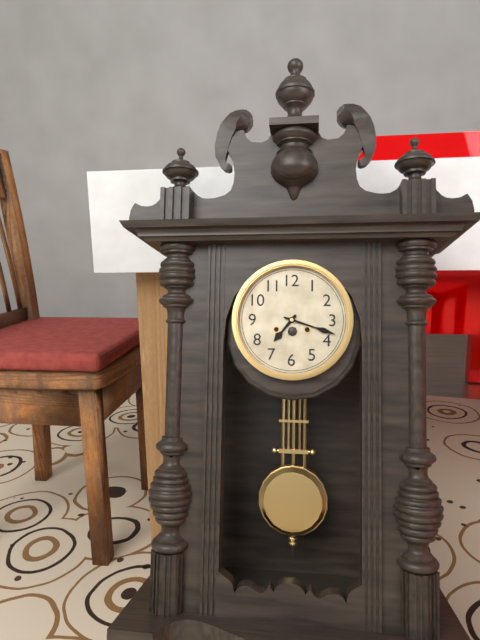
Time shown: {"hour": 7, "minute": 18}
